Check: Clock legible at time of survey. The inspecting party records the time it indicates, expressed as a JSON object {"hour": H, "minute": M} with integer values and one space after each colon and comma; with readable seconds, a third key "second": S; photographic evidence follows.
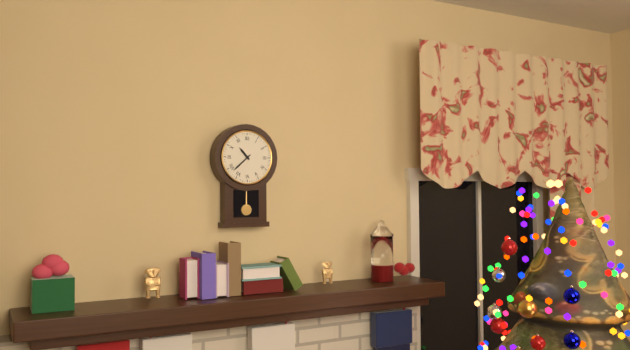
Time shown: {"hour": 10, "minute": 38}
